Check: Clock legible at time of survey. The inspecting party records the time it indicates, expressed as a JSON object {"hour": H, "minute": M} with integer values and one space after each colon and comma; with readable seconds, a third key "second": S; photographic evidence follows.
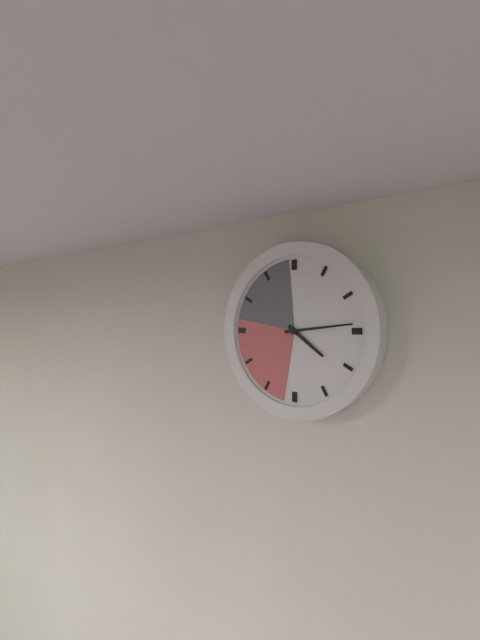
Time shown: {"hour": 4, "minute": 14}
